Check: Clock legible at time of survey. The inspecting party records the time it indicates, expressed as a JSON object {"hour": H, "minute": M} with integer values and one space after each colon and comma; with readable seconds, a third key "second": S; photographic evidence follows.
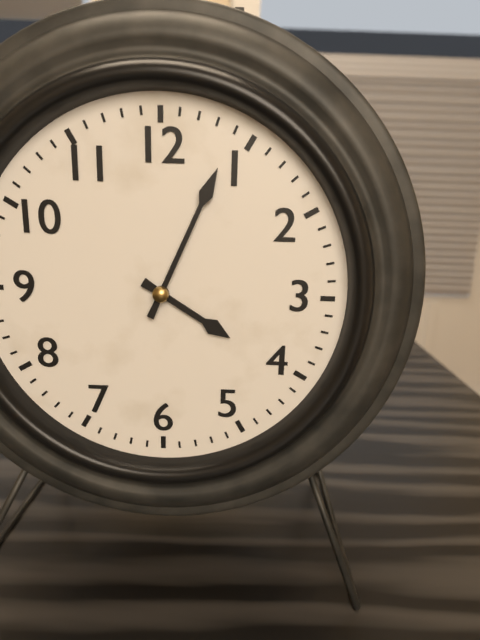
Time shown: {"hour": 4, "minute": 4}
